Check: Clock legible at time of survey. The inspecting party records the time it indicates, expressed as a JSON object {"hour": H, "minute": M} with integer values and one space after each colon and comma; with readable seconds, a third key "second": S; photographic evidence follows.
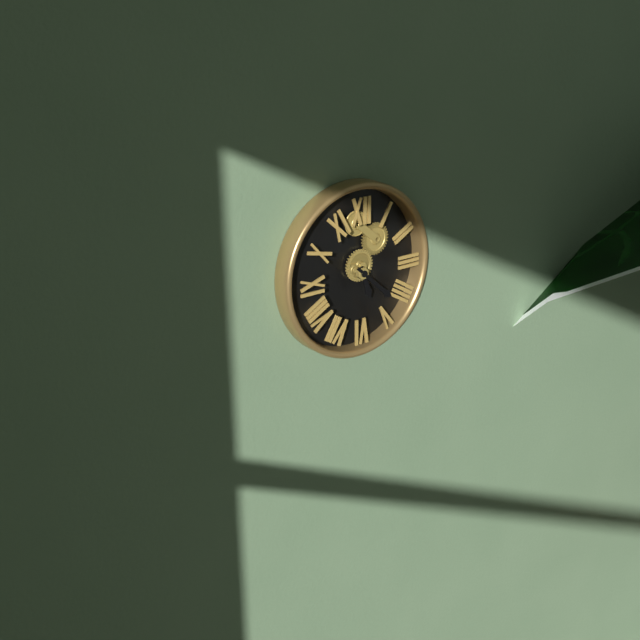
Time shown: {"hour": 5, "minute": 22}
